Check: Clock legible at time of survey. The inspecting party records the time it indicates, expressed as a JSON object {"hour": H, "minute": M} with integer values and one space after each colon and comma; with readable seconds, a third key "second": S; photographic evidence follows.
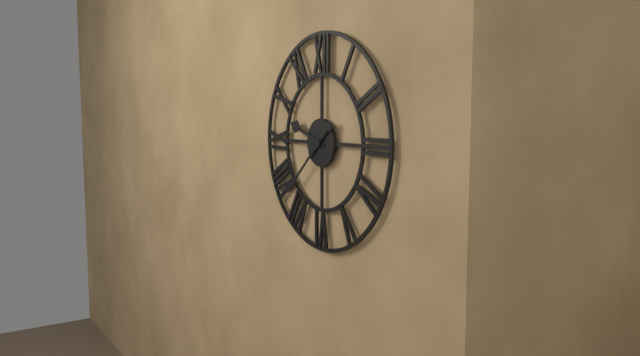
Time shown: {"hour": 9, "minute": 38}
